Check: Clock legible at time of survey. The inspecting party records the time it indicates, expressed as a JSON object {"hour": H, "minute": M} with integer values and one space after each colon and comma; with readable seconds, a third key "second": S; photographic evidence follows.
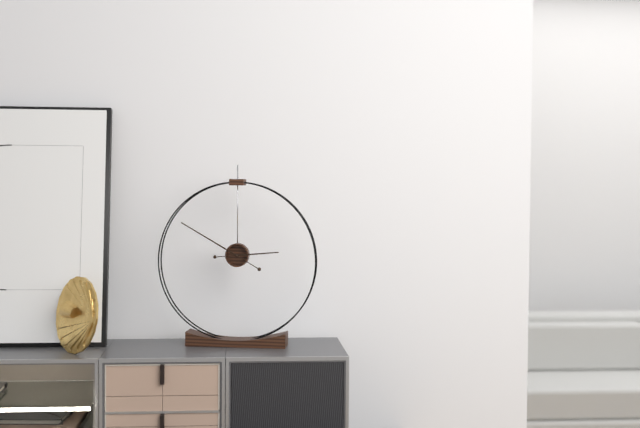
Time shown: {"hour": 2, "minute": 50}
